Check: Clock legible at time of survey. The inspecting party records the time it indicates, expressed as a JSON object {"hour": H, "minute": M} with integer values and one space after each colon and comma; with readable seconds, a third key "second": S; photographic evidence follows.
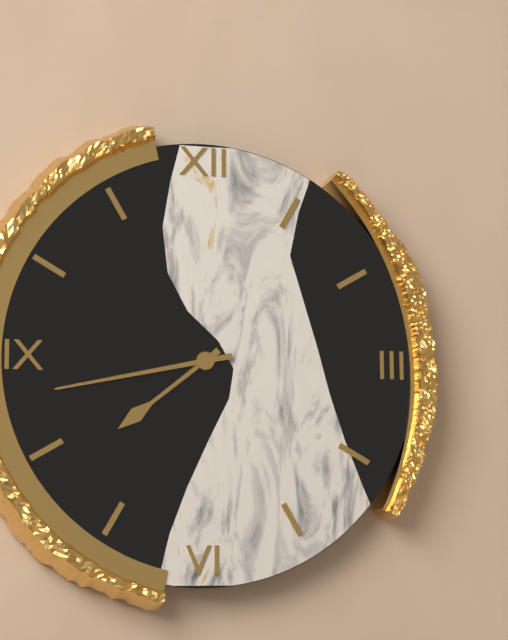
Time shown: {"hour": 7, "minute": 43}
